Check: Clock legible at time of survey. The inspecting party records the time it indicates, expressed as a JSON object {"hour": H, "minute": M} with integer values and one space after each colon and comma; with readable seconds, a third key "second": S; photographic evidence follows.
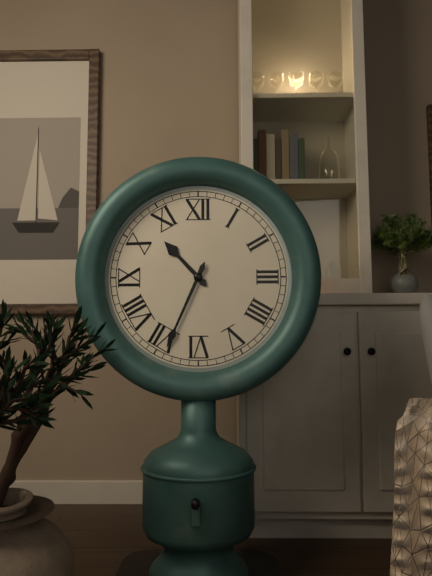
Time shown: {"hour": 10, "minute": 34}
